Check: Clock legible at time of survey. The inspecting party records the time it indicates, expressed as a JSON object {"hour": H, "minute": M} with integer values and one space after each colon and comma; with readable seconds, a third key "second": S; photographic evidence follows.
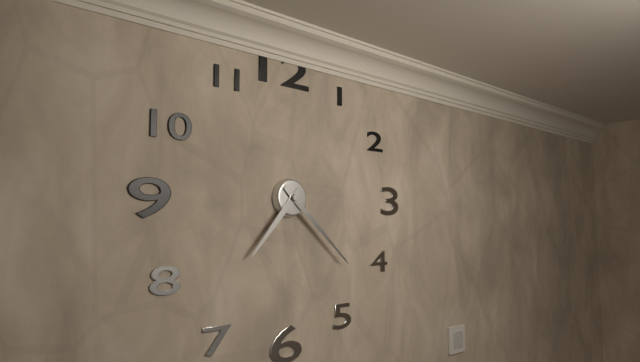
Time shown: {"hour": 7, "minute": 22}
